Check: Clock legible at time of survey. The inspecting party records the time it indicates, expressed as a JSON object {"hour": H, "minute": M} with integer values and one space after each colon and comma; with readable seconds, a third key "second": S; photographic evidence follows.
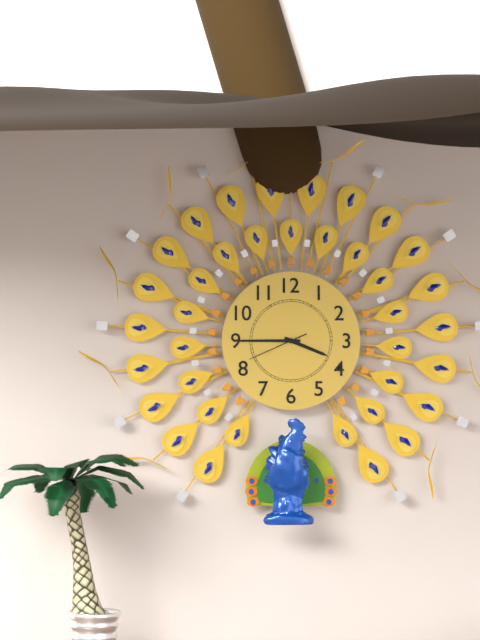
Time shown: {"hour": 3, "minute": 45, "second": 41}
